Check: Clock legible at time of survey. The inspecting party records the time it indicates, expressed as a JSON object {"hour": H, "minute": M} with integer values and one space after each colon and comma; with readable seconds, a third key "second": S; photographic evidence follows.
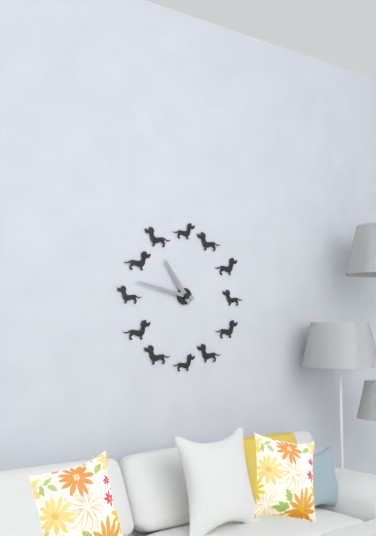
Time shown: {"hour": 10, "minute": 47}
